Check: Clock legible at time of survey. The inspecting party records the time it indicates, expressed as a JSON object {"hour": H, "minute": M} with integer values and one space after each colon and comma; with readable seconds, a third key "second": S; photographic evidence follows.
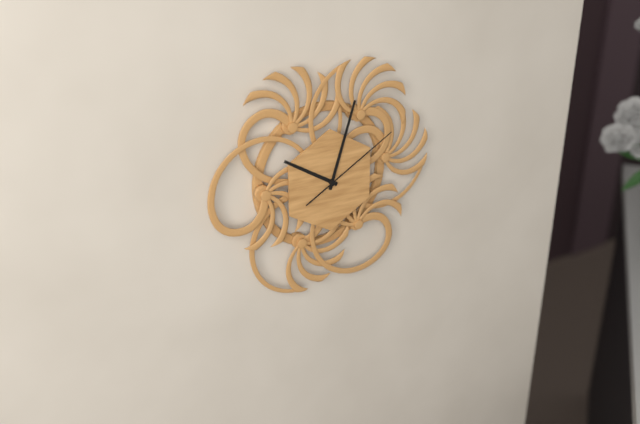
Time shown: {"hour": 10, "minute": 3, "second": 10}
